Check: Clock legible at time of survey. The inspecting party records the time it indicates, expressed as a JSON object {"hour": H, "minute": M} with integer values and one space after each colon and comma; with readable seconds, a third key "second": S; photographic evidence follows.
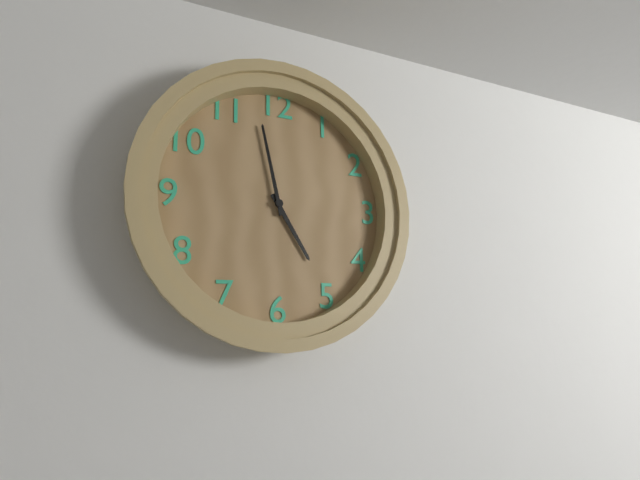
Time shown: {"hour": 4, "minute": 58}
